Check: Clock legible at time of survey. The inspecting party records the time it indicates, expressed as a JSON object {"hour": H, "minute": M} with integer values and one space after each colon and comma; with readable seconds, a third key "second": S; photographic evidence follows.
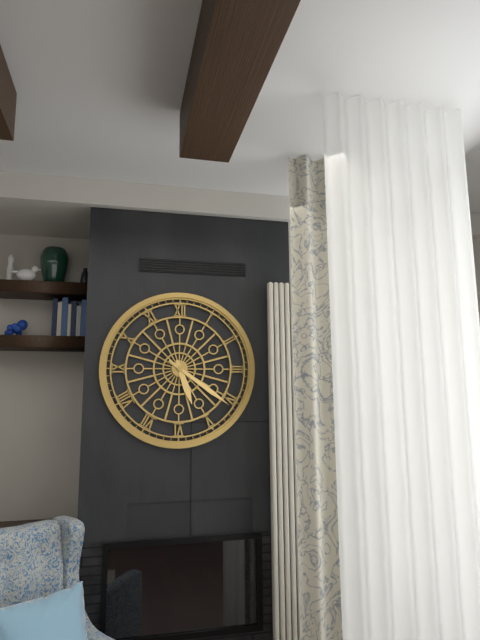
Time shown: {"hour": 5, "minute": 21}
